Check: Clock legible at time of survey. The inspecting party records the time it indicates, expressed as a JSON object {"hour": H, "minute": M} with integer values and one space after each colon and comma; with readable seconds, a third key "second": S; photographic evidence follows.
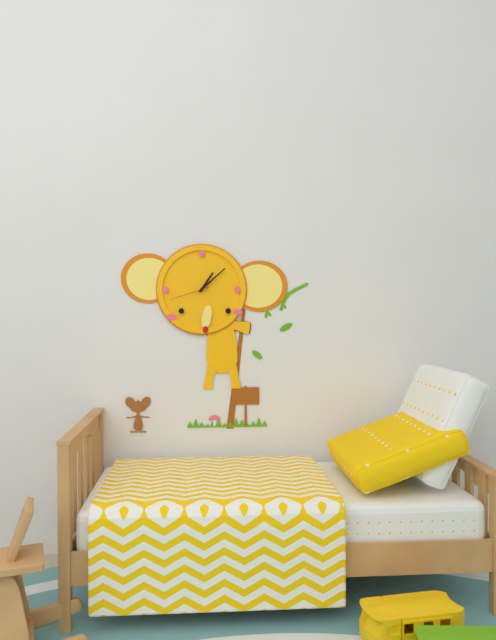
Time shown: {"hour": 1, "minute": 8}
